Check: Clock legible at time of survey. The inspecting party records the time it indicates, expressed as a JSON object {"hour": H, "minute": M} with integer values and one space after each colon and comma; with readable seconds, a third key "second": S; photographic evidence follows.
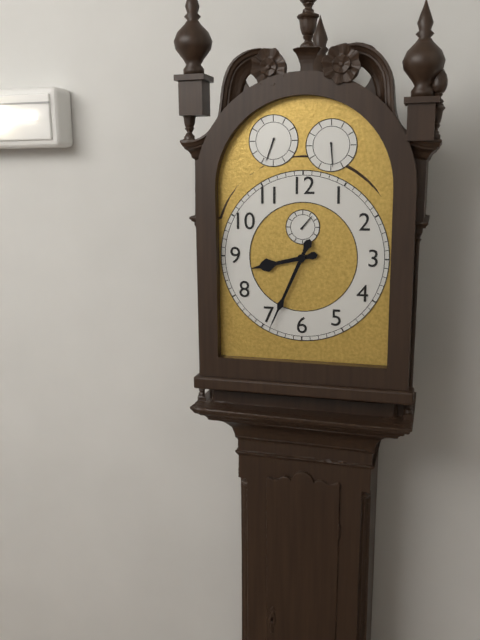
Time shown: {"hour": 8, "minute": 34}
